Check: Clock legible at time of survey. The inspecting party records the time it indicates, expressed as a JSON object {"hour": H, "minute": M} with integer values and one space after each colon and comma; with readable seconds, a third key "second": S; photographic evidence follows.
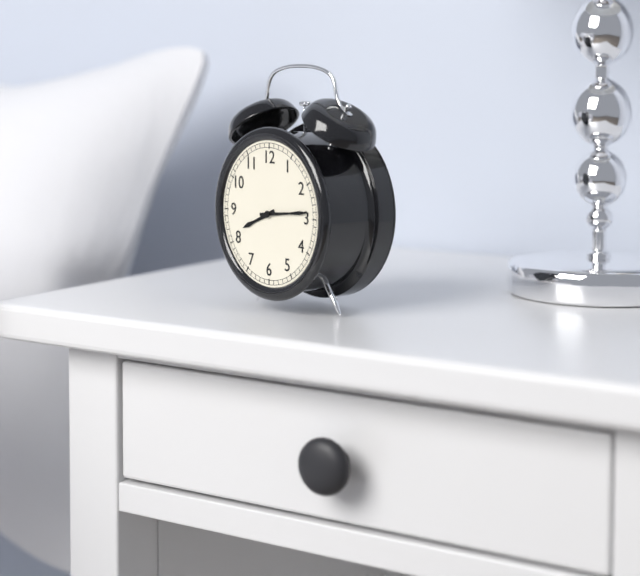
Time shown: {"hour": 8, "minute": 14}
